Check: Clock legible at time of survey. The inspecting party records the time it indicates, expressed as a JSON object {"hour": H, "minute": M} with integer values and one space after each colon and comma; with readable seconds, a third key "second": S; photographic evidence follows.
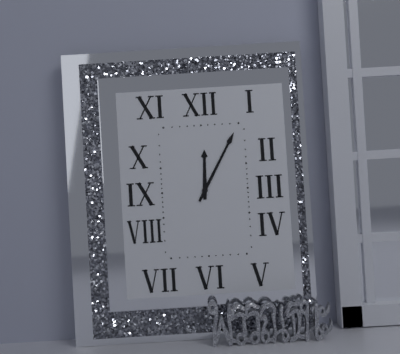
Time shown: {"hour": 12, "minute": 5}
